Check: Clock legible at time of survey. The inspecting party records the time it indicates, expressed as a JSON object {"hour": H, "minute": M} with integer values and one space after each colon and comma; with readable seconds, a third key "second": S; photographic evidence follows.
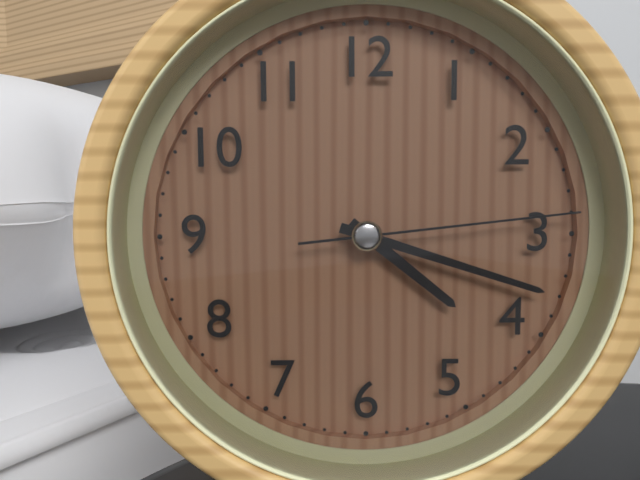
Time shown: {"hour": 4, "minute": 18, "second": 14}
